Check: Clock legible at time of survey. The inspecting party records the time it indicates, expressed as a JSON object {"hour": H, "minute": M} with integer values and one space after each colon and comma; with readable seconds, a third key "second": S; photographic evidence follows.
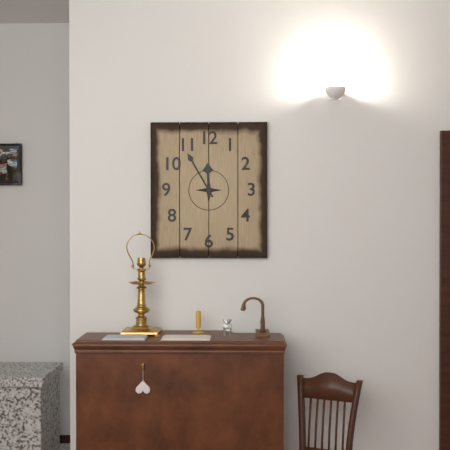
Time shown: {"hour": 11, "minute": 55}
